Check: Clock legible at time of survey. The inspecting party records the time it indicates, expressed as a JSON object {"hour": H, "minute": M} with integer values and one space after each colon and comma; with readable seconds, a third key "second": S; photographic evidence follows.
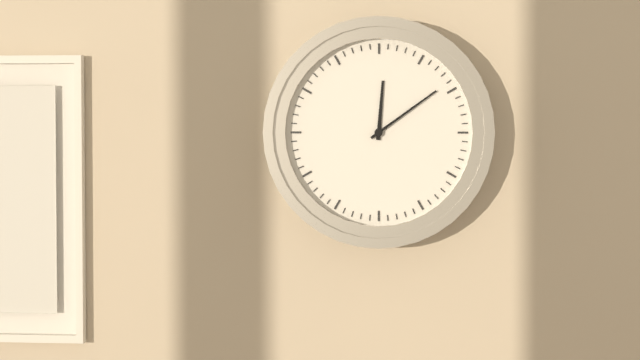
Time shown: {"hour": 12, "minute": 9}
